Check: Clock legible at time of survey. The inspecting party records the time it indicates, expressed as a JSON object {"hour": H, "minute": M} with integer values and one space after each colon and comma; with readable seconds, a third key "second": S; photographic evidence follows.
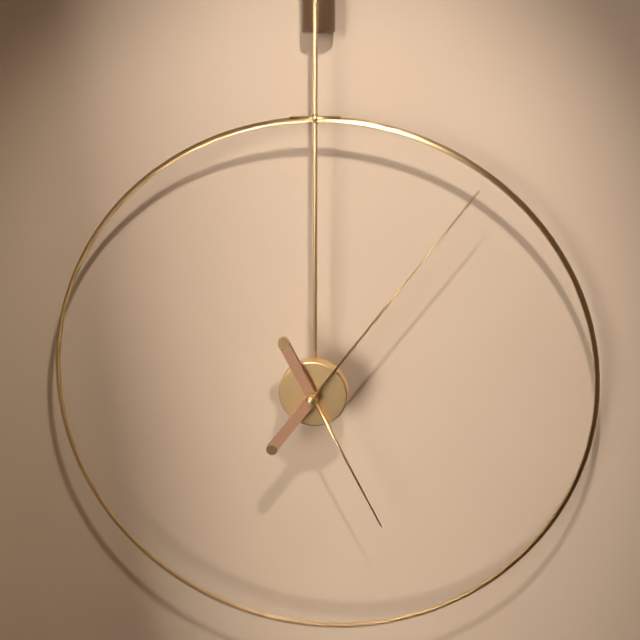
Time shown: {"hour": 5, "minute": 6}
